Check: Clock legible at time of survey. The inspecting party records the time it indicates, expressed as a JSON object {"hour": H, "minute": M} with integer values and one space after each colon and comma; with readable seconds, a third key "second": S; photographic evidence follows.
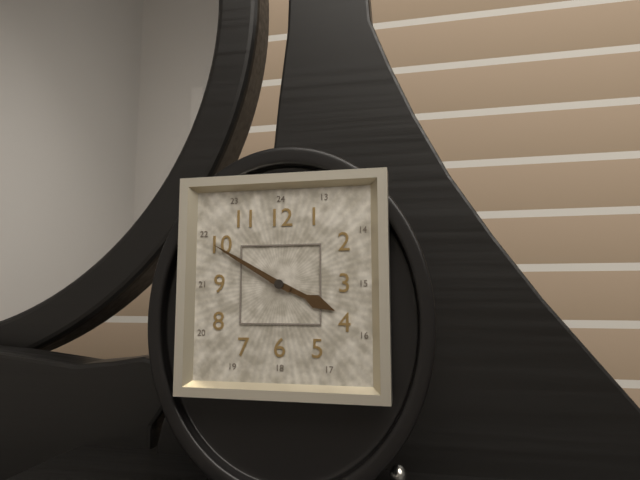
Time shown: {"hour": 3, "minute": 50}
